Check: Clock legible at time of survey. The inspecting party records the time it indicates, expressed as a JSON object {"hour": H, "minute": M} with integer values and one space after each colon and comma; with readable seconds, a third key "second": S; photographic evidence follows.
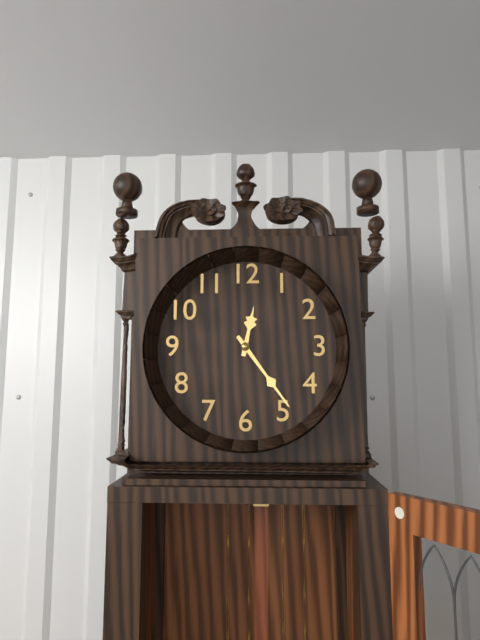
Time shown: {"hour": 12, "minute": 24}
